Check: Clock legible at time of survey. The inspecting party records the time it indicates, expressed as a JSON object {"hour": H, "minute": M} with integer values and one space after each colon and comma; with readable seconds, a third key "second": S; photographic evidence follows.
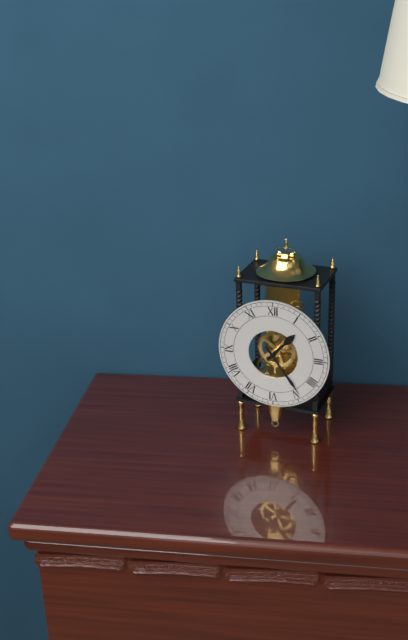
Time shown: {"hour": 1, "minute": 24}
